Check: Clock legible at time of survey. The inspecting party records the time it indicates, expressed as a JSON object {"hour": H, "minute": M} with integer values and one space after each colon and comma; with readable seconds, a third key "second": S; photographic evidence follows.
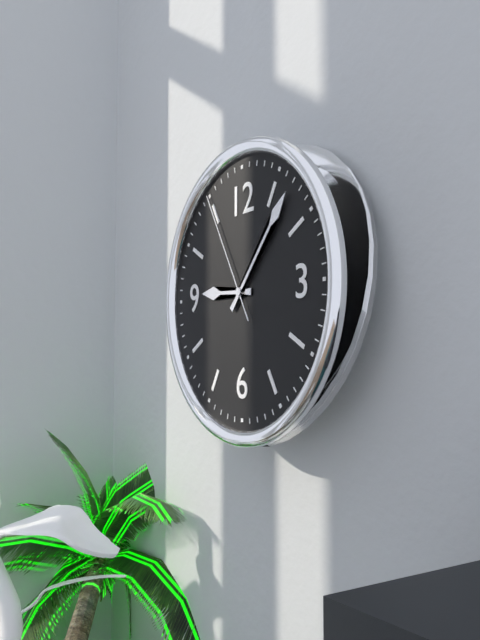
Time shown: {"hour": 9, "minute": 7, "second": 55}
